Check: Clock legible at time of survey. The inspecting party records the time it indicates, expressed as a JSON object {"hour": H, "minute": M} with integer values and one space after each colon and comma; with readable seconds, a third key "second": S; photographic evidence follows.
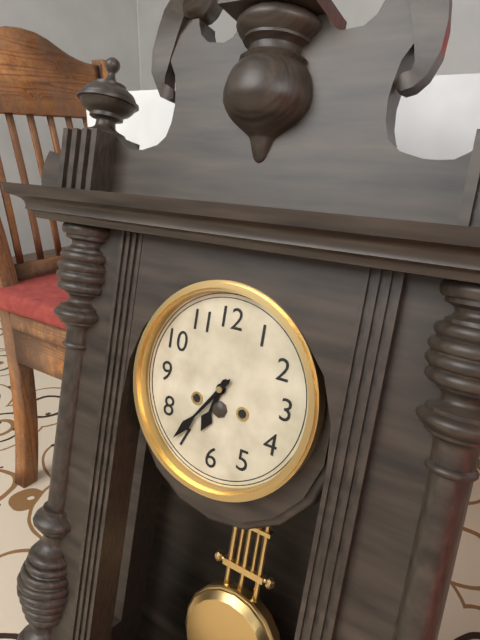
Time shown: {"hour": 6, "minute": 36}
